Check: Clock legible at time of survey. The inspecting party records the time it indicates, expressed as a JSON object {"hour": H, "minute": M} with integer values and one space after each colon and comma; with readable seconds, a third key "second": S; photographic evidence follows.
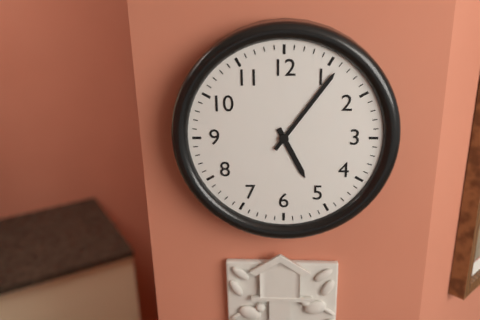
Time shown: {"hour": 5, "minute": 6}
